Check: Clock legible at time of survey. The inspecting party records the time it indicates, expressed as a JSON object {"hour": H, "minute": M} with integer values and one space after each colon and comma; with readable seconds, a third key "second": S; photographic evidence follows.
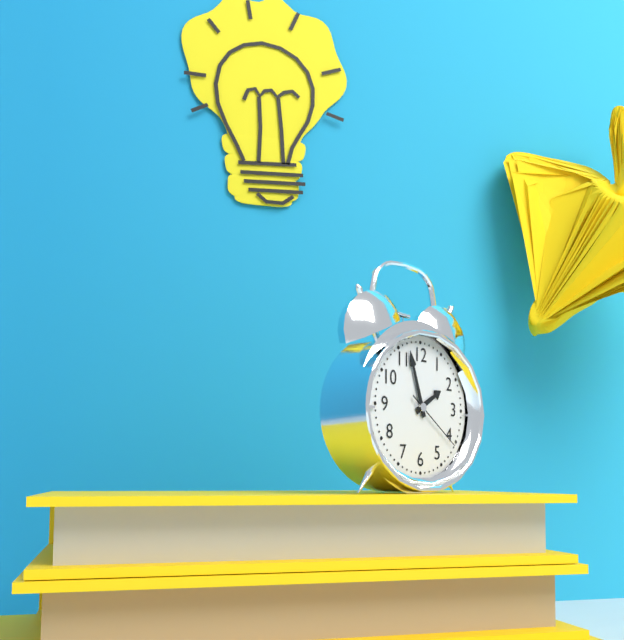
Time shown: {"hour": 1, "minute": 57, "second": 21}
